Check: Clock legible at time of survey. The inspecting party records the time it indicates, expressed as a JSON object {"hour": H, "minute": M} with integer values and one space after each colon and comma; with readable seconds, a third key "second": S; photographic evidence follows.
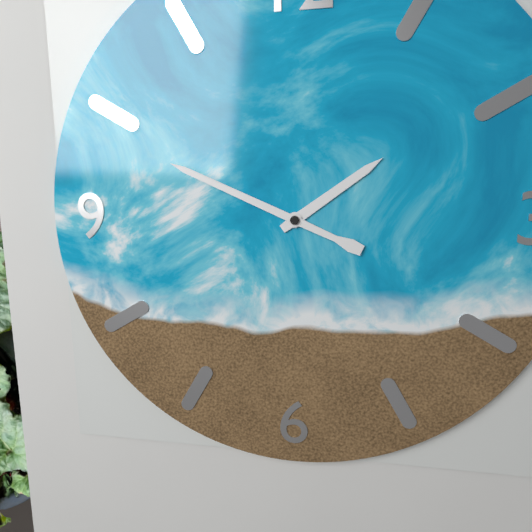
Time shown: {"hour": 1, "minute": 49}
